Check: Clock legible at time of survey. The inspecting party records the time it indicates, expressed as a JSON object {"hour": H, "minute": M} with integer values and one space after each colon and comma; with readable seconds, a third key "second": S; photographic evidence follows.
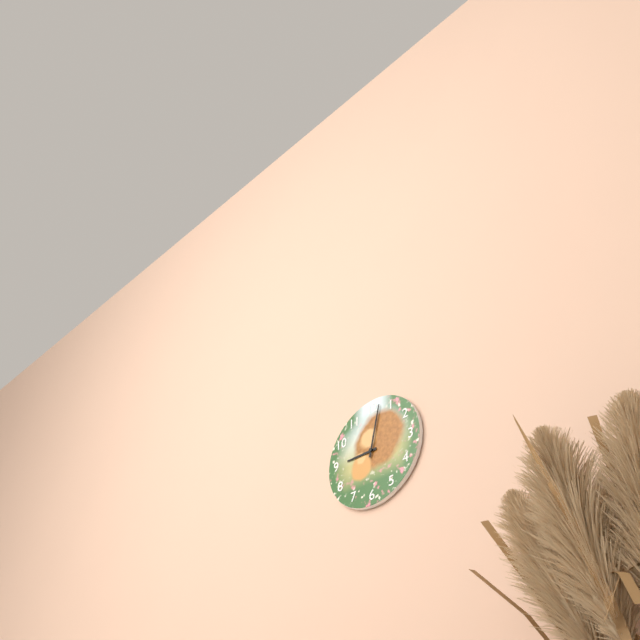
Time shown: {"hour": 9, "minute": 2}
